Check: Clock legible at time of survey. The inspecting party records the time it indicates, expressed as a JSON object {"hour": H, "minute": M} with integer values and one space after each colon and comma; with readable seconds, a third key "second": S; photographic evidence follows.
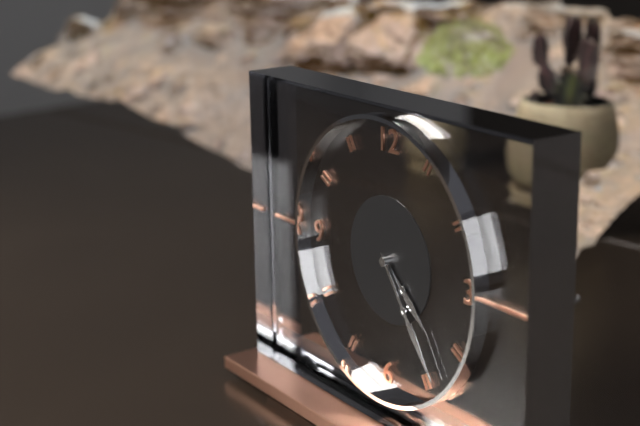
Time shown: {"hour": 4, "minute": 24}
